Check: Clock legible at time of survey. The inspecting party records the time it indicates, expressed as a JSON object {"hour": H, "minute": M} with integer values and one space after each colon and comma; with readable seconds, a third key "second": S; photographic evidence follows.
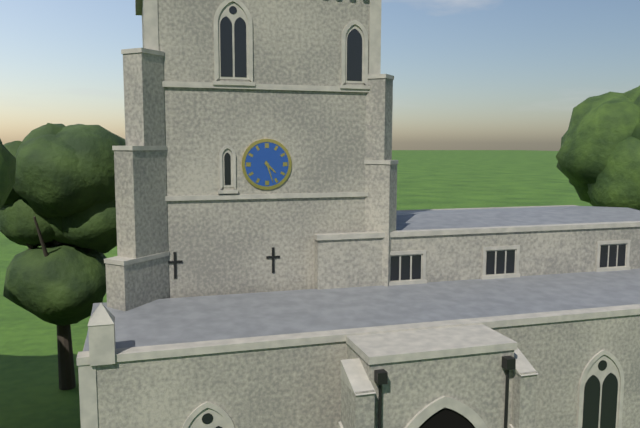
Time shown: {"hour": 4, "minute": 27}
